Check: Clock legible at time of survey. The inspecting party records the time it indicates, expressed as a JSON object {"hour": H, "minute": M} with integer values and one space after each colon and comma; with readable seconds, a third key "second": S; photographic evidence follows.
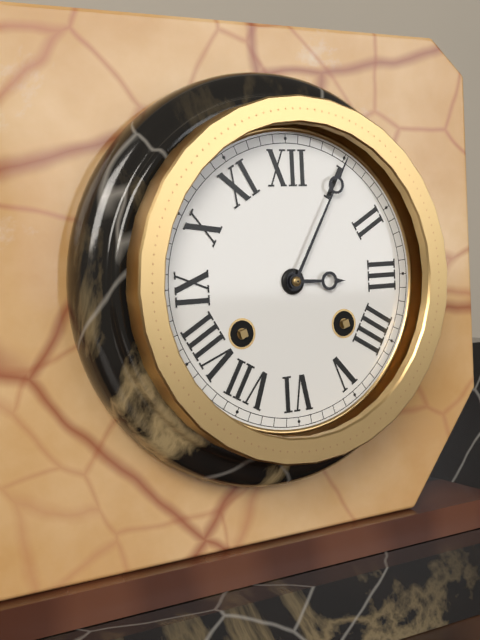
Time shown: {"hour": 3, "minute": 5}
